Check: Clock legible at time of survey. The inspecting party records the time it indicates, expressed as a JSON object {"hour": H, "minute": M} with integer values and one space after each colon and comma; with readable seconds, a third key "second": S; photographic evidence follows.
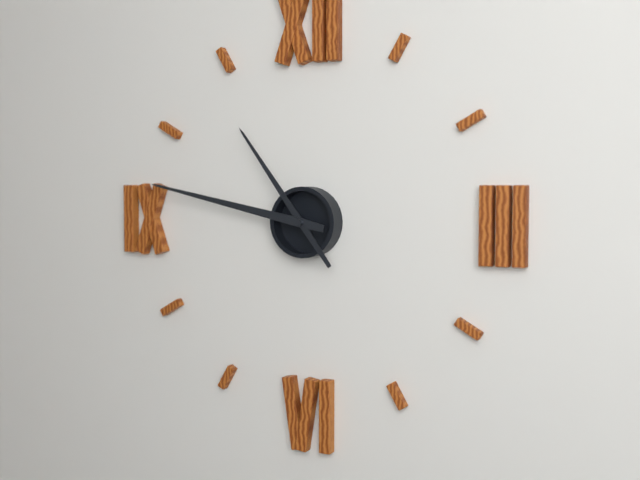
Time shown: {"hour": 10, "minute": 47}
